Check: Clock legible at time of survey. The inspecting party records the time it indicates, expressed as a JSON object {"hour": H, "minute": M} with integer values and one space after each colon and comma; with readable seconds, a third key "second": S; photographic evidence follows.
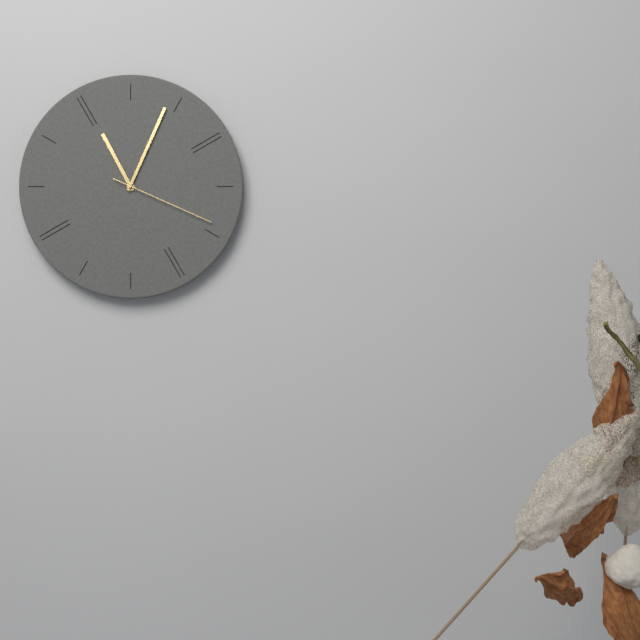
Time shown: {"hour": 11, "minute": 4, "second": 19}
